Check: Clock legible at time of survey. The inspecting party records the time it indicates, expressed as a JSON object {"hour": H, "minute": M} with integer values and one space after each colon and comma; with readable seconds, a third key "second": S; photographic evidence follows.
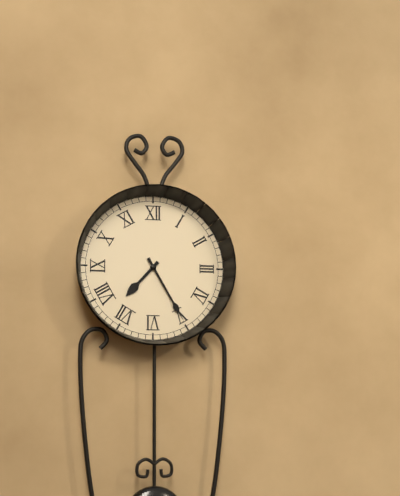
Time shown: {"hour": 7, "minute": 25}
